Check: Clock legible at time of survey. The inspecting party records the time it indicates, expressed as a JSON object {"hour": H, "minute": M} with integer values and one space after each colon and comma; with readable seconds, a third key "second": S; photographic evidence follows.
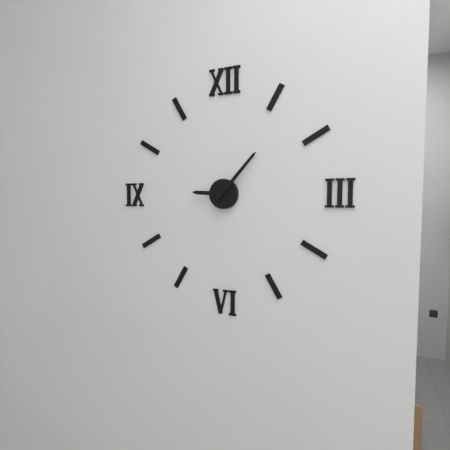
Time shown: {"hour": 9, "minute": 7}
